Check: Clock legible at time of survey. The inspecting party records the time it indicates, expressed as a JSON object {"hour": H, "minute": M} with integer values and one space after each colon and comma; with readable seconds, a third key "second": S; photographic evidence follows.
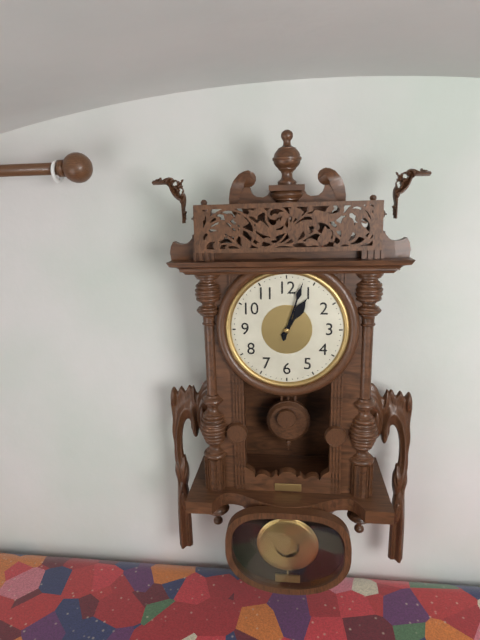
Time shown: {"hour": 1, "minute": 3}
